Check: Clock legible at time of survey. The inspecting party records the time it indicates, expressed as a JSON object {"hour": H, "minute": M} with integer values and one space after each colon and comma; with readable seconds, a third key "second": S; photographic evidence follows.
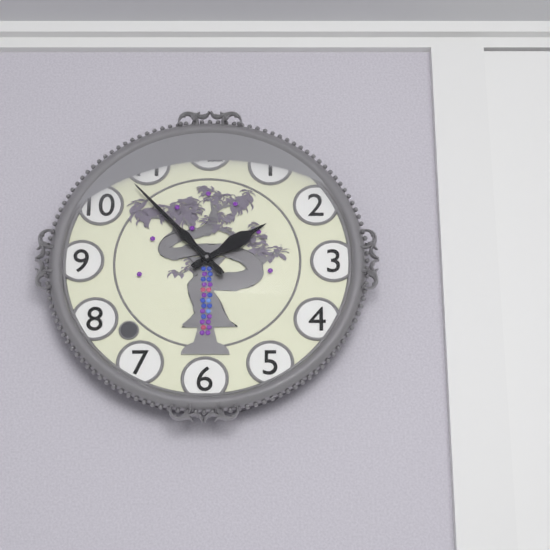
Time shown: {"hour": 1, "minute": 53}
